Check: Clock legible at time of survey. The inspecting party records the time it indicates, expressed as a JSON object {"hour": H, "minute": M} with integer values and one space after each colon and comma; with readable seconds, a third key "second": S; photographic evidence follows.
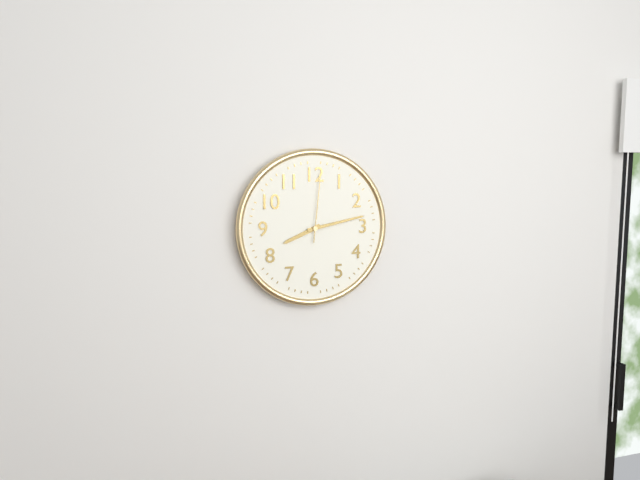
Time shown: {"hour": 8, "minute": 13, "second": 1}
